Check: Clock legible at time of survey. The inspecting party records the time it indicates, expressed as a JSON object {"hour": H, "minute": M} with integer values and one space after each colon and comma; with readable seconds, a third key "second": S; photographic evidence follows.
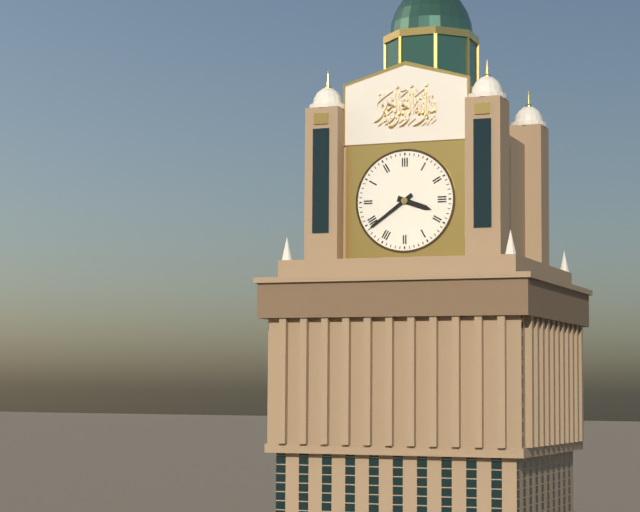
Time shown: {"hour": 3, "minute": 39}
